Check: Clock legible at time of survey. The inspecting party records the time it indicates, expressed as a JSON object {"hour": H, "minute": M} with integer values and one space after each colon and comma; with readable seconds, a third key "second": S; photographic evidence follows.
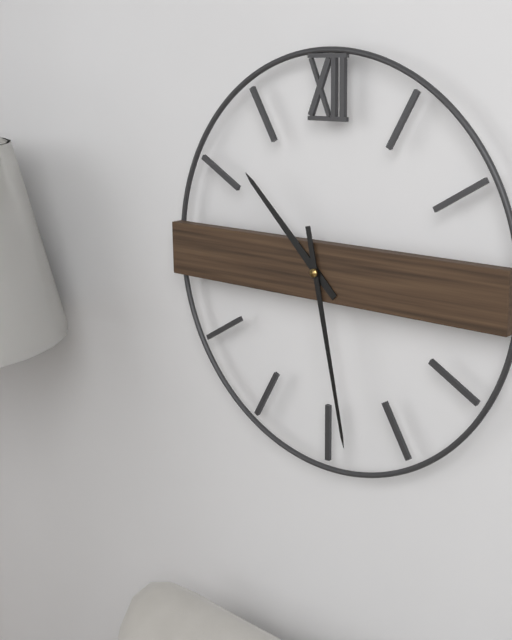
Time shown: {"hour": 10, "minute": 28}
